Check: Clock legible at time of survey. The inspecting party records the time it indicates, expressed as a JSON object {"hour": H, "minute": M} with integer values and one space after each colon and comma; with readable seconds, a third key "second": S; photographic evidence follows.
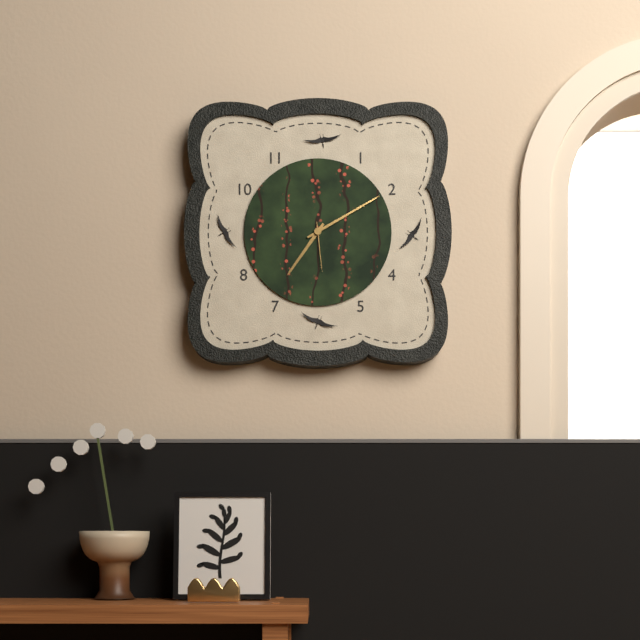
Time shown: {"hour": 7, "minute": 10, "second": 29}
